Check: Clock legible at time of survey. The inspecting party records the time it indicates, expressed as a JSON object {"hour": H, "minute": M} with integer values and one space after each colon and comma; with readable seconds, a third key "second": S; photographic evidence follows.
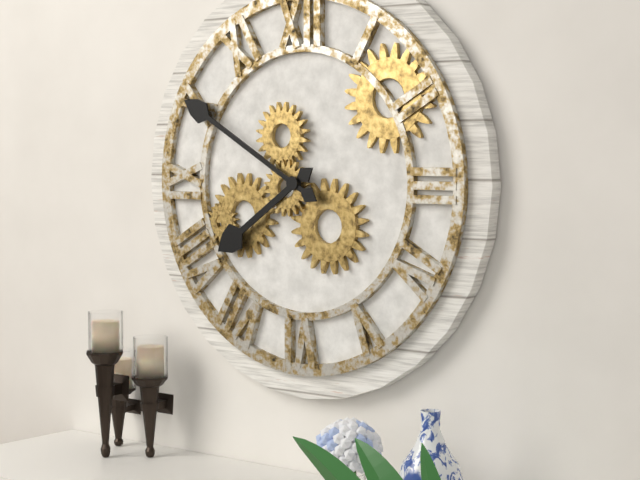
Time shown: {"hour": 7, "minute": 50}
